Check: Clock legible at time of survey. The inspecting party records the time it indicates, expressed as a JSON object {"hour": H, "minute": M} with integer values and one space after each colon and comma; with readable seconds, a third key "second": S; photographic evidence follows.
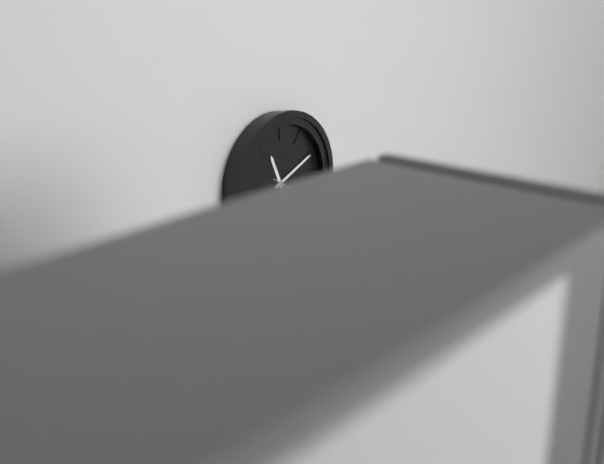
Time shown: {"hour": 11, "minute": 11}
